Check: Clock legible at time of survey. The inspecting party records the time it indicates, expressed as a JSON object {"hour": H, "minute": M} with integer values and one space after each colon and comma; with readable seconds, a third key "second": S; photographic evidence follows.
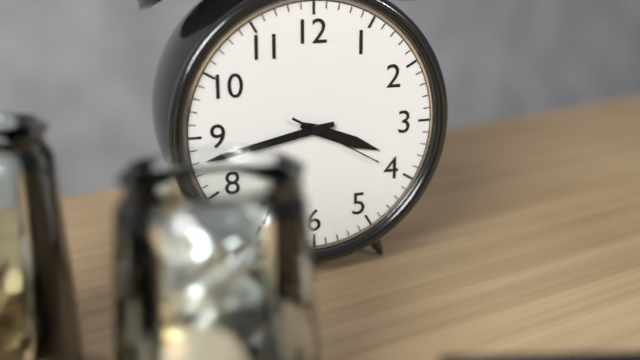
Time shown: {"hour": 3, "minute": 43, "second": 20}
